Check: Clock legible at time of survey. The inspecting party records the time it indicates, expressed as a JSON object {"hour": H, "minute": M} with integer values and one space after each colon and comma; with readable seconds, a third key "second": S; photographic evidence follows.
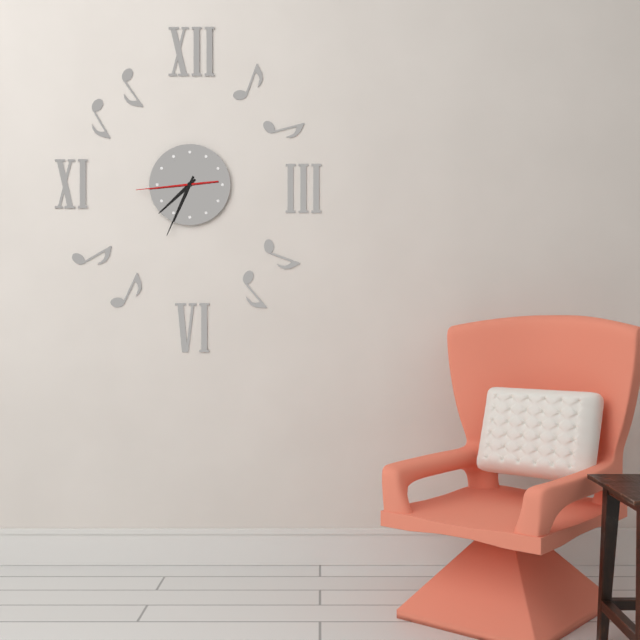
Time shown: {"hour": 7, "minute": 34, "second": 44}
